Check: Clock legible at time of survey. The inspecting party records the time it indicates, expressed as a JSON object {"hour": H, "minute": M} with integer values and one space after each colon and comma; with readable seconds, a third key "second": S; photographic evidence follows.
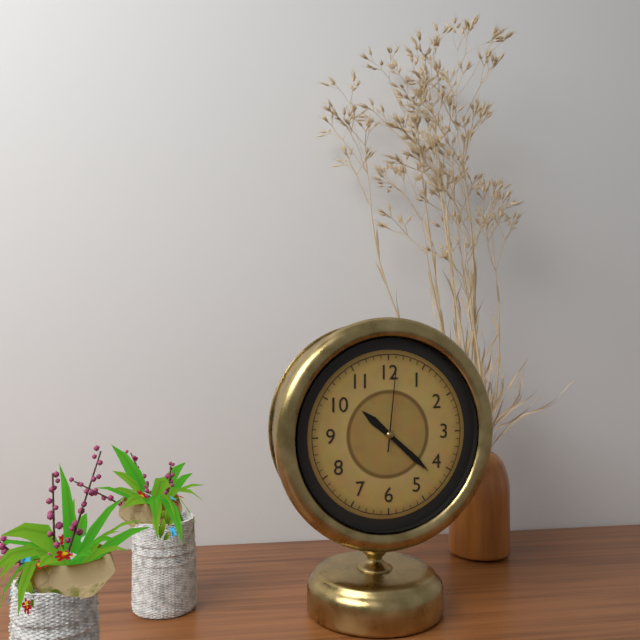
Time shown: {"hour": 10, "minute": 22, "second": 1}
